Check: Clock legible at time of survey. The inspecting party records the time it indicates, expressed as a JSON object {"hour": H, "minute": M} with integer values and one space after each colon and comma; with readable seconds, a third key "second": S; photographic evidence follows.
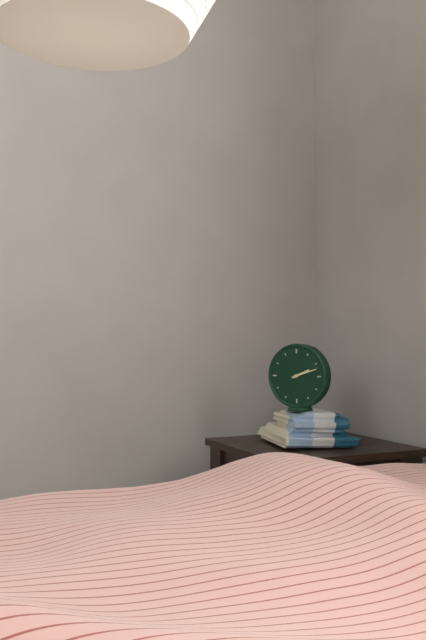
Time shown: {"hour": 2, "minute": 12}
